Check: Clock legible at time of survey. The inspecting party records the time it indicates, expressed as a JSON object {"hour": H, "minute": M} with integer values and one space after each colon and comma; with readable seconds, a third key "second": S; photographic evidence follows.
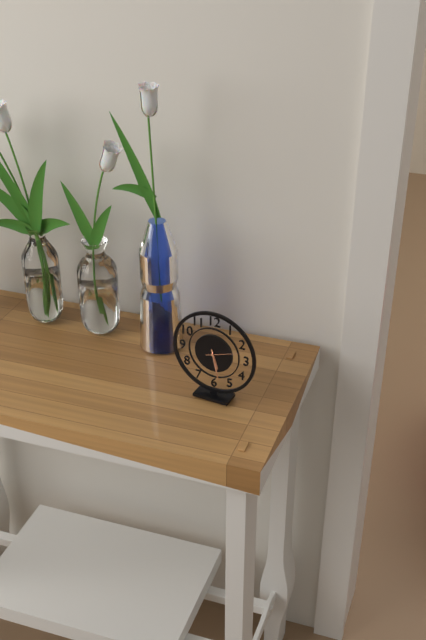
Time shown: {"hour": 5, "minute": 28}
